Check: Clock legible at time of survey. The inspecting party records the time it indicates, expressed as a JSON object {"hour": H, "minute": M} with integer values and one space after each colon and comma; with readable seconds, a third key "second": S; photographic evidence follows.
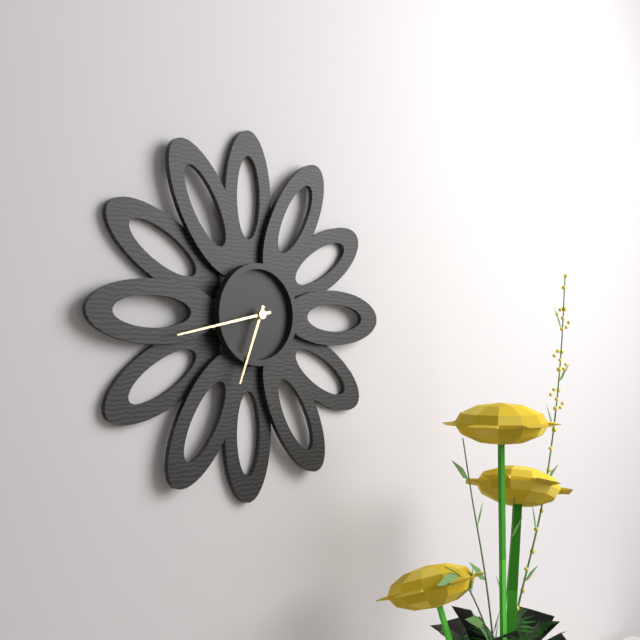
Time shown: {"hour": 6, "minute": 43}
